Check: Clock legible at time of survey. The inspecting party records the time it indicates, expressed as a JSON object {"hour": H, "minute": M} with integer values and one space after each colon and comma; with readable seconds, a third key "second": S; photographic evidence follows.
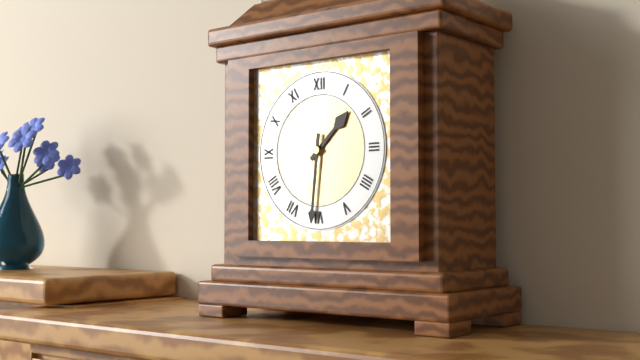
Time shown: {"hour": 1, "minute": 31}
